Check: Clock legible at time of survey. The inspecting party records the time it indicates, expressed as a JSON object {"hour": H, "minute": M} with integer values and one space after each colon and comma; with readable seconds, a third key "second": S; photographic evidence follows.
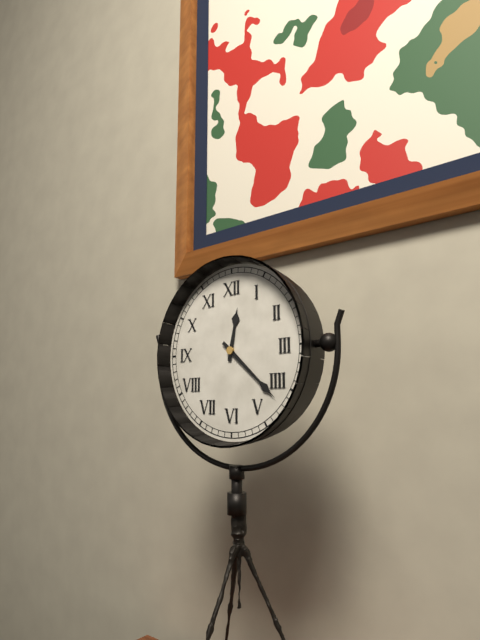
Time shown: {"hour": 12, "minute": 22}
